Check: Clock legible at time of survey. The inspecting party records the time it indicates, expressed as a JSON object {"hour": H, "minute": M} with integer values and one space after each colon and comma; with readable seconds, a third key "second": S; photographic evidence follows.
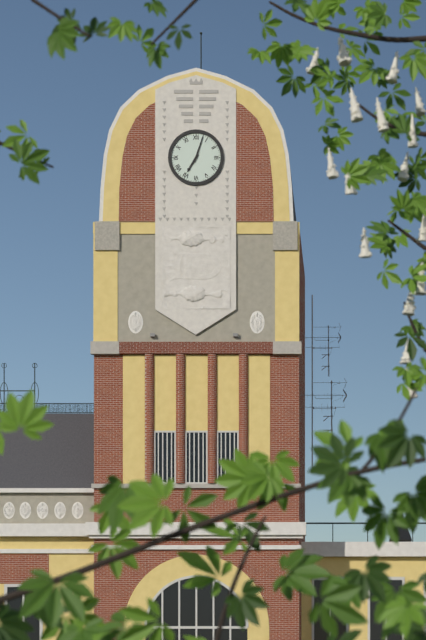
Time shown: {"hour": 7, "minute": 3}
